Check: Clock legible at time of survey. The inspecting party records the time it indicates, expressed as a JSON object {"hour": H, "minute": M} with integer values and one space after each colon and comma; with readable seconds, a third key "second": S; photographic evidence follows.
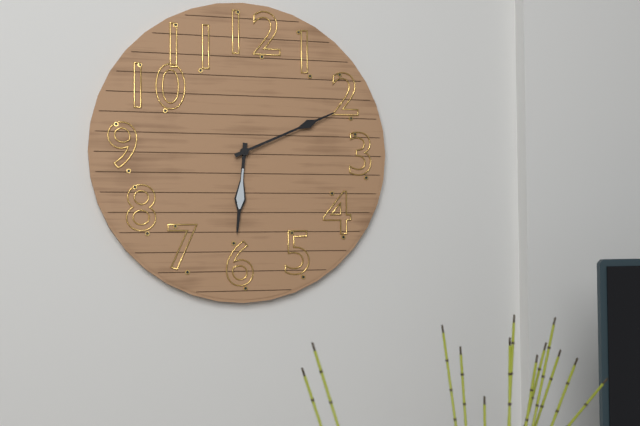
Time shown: {"hour": 6, "minute": 11}
